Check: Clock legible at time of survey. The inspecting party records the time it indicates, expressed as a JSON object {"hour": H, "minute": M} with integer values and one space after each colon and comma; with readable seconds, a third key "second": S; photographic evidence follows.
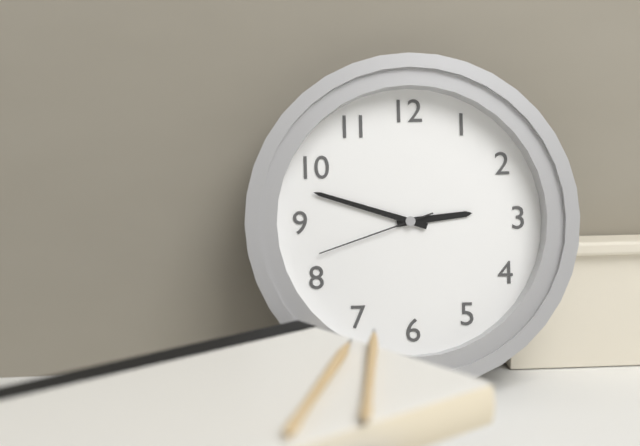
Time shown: {"hour": 2, "minute": 48, "second": 42}
